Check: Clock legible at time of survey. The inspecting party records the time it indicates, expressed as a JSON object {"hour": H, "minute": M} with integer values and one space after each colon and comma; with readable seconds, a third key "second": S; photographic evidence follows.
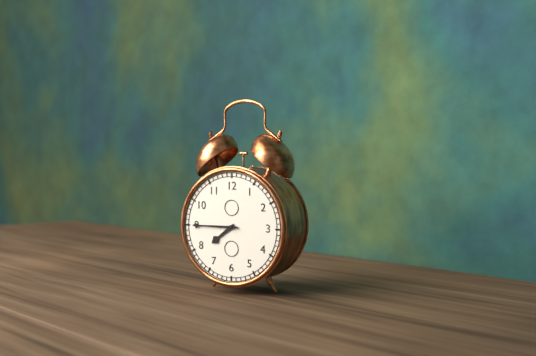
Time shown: {"hour": 7, "minute": 45}
